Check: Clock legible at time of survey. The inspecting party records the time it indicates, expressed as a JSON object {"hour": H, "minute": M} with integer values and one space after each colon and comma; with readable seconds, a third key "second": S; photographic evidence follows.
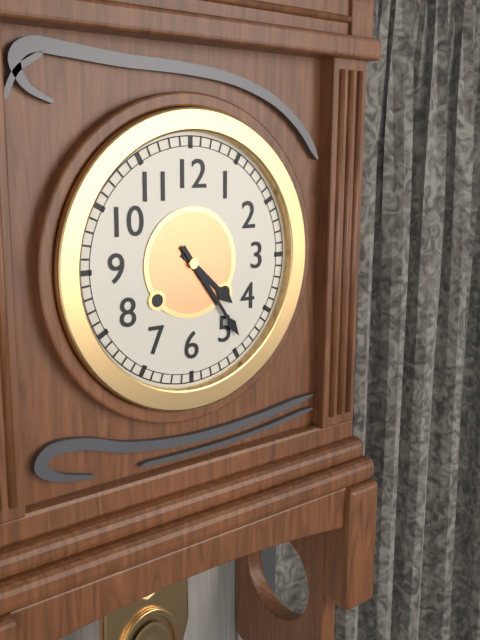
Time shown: {"hour": 4, "minute": 24}
